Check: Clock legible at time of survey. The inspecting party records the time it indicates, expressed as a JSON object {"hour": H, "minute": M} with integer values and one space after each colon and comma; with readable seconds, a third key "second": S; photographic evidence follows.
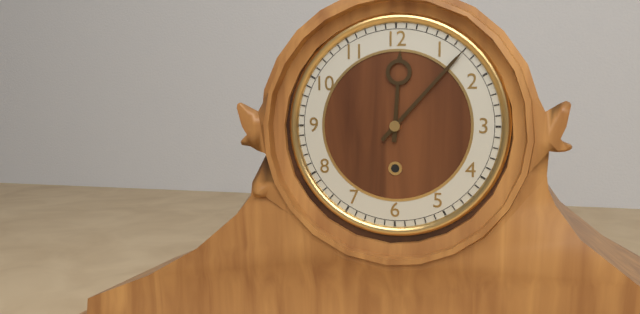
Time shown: {"hour": 12, "minute": 7}
